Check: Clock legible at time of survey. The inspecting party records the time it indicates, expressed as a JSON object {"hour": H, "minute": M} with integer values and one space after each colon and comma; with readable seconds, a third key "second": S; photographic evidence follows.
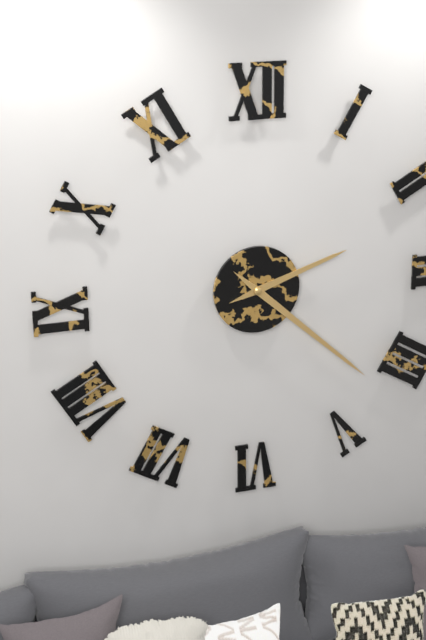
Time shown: {"hour": 2, "minute": 22}
